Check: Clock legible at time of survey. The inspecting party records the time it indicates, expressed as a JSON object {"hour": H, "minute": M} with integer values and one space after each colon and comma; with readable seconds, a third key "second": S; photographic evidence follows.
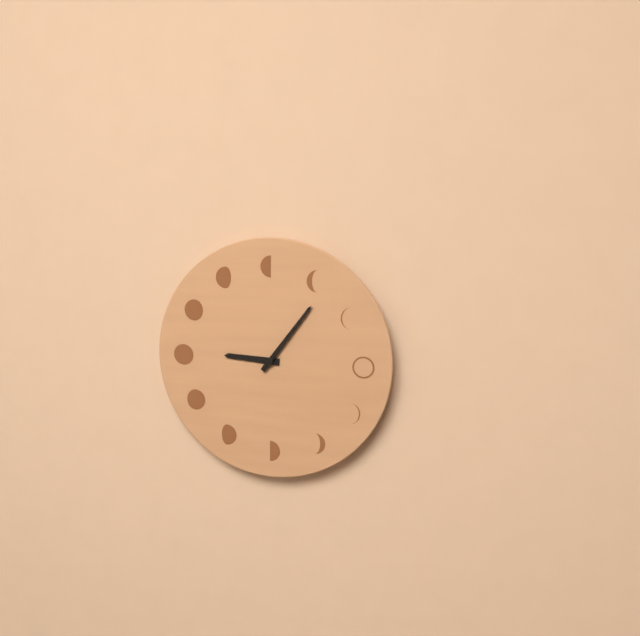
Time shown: {"hour": 9, "minute": 6}
